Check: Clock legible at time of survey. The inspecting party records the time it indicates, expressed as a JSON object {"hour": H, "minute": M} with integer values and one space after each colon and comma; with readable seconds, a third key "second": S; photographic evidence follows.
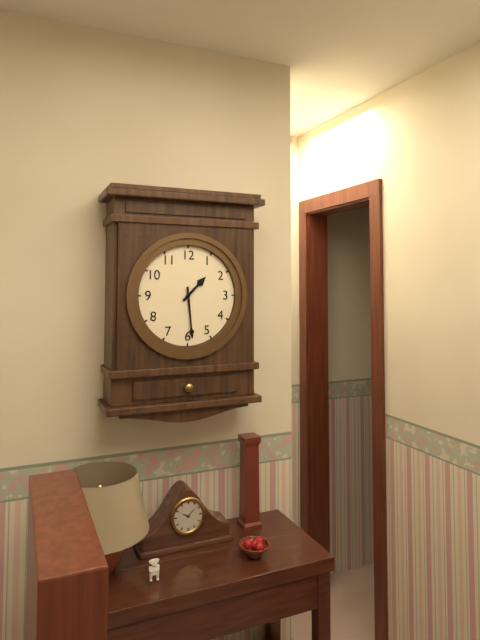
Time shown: {"hour": 1, "minute": 29}
